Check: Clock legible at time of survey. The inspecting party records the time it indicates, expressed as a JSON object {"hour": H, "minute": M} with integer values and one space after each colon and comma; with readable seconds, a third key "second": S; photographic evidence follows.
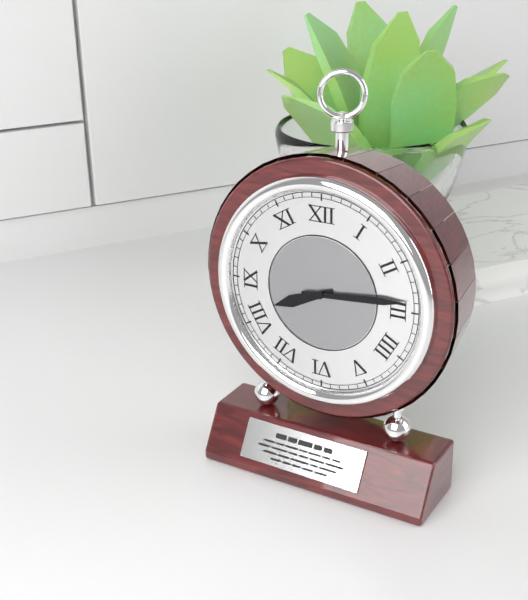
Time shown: {"hour": 8, "minute": 14}
